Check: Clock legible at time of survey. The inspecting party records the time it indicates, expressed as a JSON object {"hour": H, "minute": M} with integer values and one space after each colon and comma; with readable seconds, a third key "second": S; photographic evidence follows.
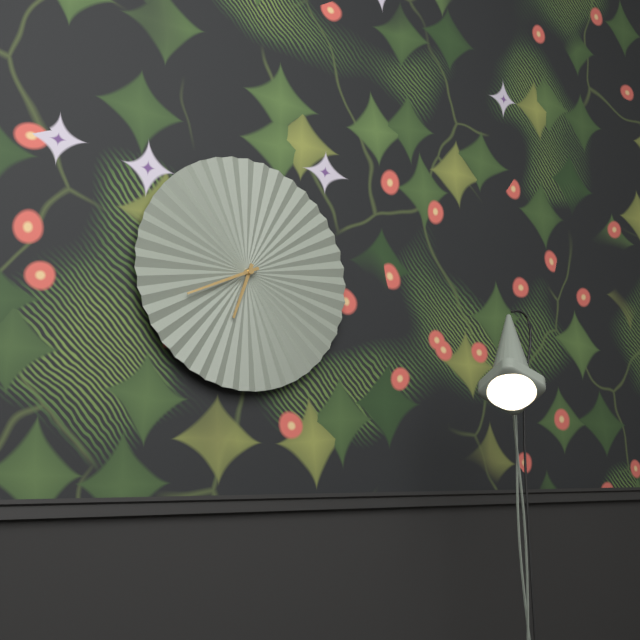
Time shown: {"hour": 6, "minute": 41}
